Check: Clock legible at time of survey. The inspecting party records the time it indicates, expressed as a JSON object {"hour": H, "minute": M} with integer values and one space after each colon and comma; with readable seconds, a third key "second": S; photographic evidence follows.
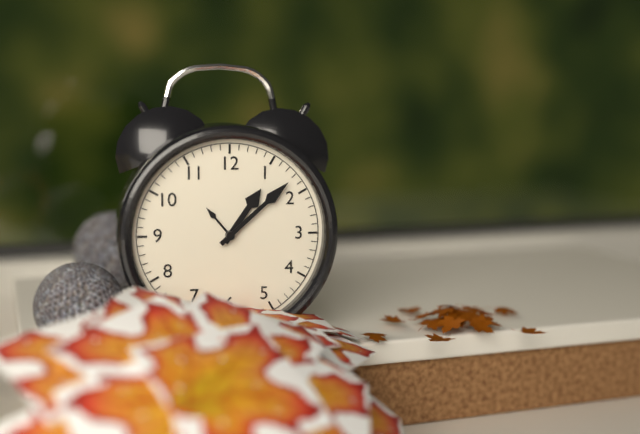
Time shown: {"hour": 1, "minute": 8}
